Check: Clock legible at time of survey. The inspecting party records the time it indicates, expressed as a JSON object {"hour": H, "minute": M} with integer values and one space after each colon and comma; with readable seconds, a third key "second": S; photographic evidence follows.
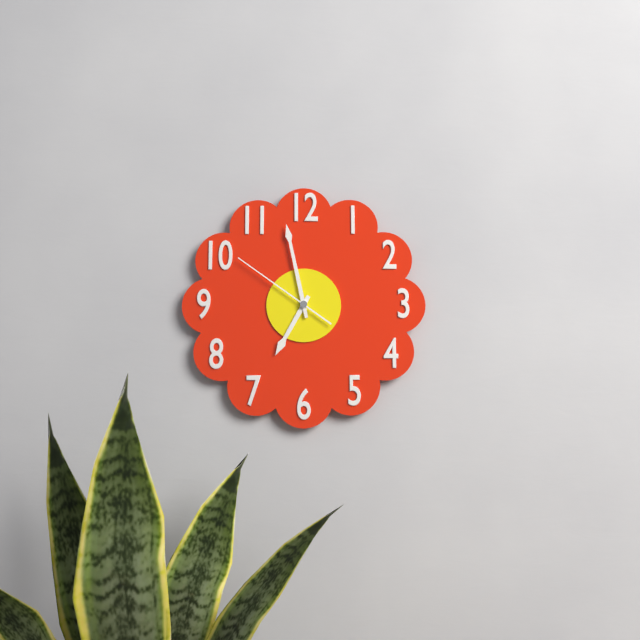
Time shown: {"hour": 6, "minute": 58, "second": 51}
